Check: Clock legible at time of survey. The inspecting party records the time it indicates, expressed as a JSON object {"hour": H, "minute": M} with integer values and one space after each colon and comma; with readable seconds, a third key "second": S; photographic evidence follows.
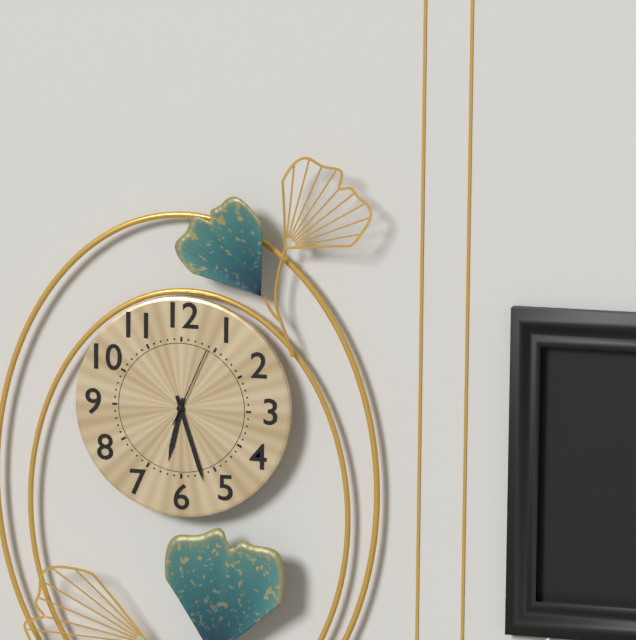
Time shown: {"hour": 6, "minute": 27, "second": 4}
